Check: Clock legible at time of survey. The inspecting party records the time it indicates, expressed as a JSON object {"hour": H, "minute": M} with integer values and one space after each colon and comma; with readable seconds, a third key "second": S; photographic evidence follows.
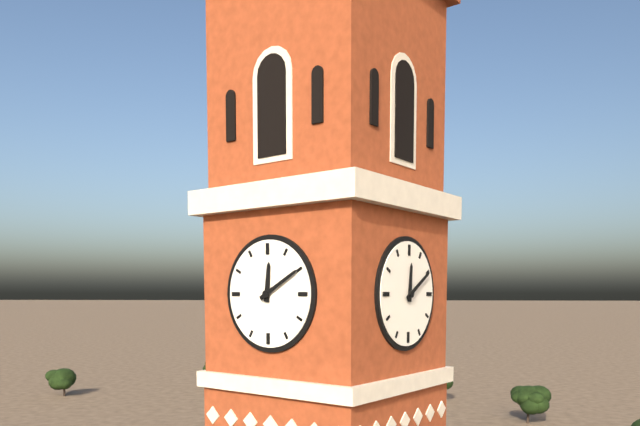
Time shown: {"hour": 12, "minute": 10}
